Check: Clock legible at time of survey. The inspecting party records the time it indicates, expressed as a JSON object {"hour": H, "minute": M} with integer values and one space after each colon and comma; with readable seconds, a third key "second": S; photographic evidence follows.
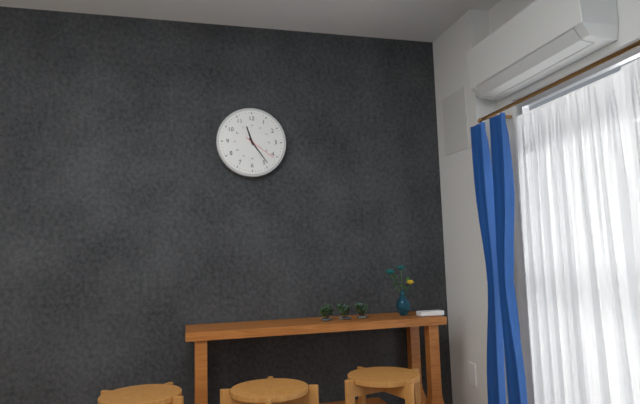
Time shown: {"hour": 11, "minute": 24}
